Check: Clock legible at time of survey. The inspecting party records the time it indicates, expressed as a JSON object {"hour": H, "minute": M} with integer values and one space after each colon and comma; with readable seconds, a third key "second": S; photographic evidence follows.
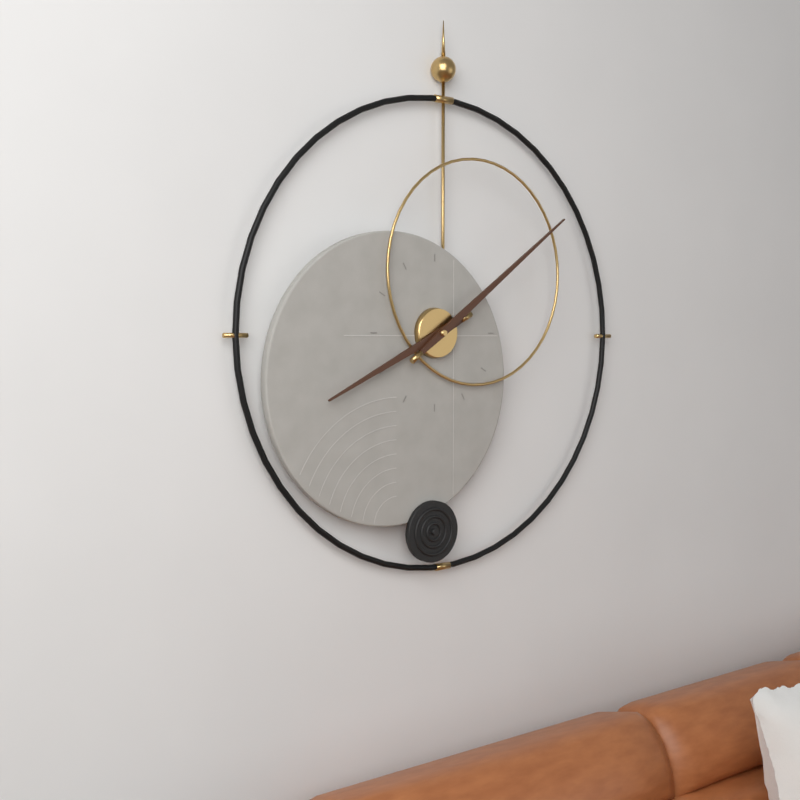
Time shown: {"hour": 8, "minute": 9}
